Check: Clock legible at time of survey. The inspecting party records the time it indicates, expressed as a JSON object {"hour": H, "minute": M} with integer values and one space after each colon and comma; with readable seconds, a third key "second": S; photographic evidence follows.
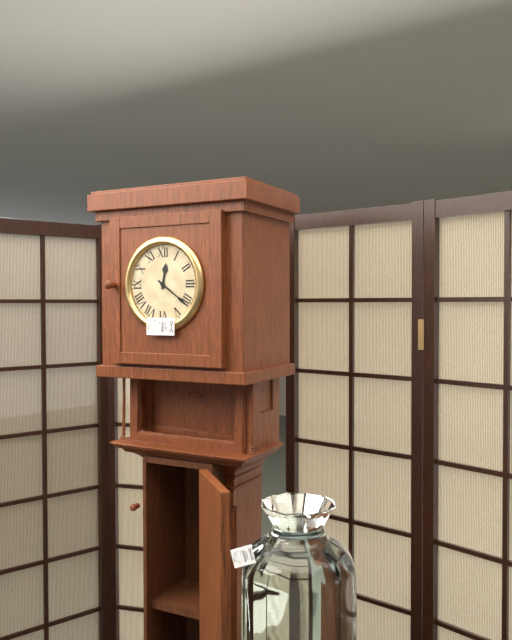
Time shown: {"hour": 12, "minute": 21}
